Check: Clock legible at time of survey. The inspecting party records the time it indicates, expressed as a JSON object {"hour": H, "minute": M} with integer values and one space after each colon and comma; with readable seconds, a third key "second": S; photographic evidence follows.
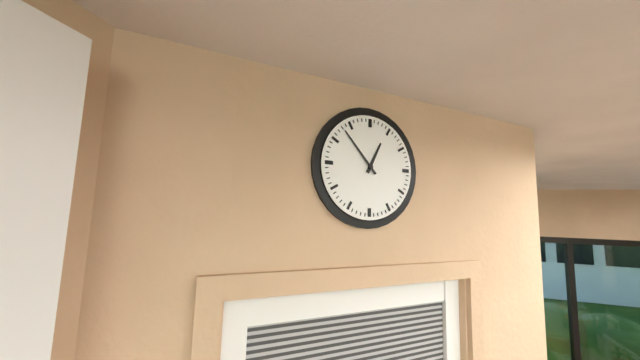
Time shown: {"hour": 12, "minute": 53}
